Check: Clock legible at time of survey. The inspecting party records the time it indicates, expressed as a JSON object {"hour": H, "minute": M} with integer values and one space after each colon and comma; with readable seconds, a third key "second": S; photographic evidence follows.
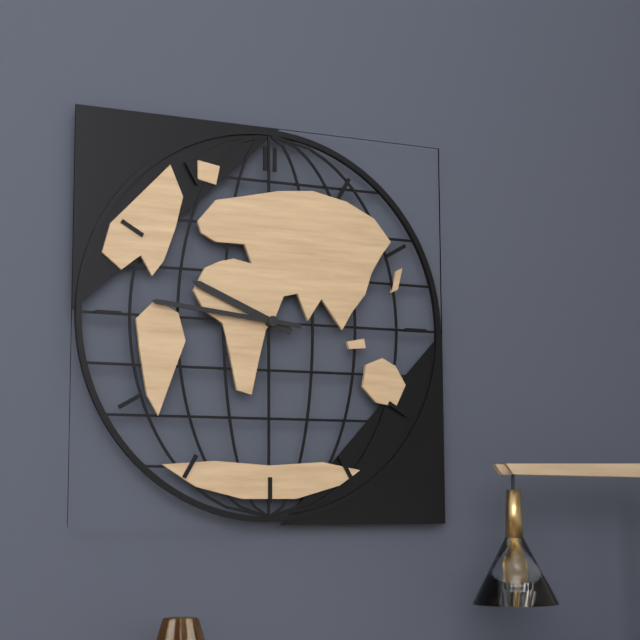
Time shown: {"hour": 9, "minute": 46}
